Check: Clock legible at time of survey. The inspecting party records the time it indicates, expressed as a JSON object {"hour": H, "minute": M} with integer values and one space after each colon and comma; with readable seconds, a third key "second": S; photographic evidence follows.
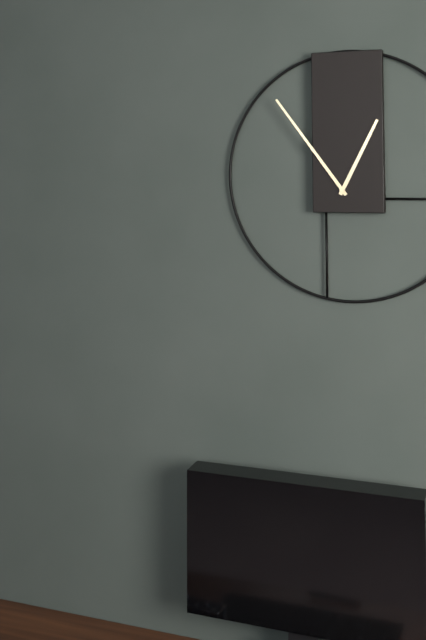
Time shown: {"hour": 12, "minute": 54}
